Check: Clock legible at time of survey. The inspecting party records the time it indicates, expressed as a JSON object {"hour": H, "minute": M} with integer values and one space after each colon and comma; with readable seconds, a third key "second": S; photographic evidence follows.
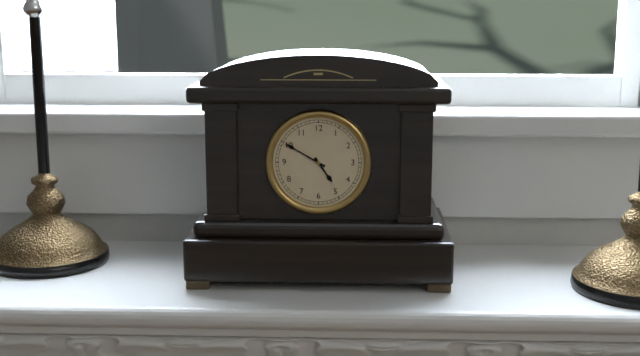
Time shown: {"hour": 4, "minute": 50}
